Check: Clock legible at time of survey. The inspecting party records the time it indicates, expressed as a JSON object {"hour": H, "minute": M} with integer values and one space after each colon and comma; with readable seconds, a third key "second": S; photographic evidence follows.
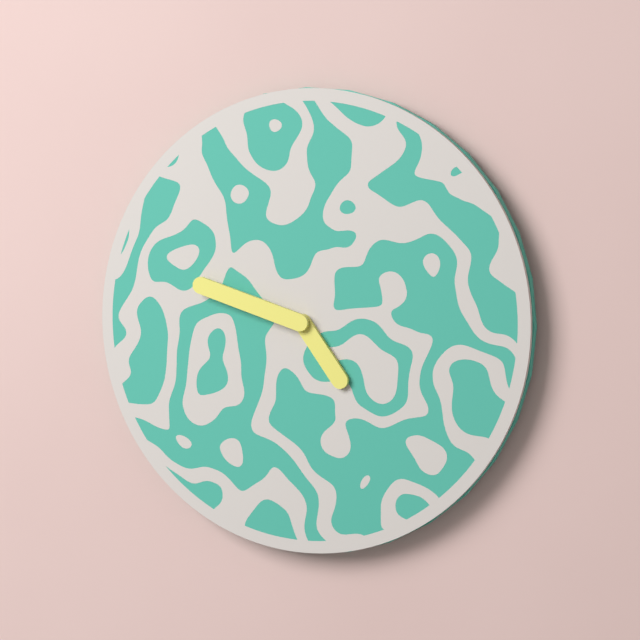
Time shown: {"hour": 4, "minute": 48}
